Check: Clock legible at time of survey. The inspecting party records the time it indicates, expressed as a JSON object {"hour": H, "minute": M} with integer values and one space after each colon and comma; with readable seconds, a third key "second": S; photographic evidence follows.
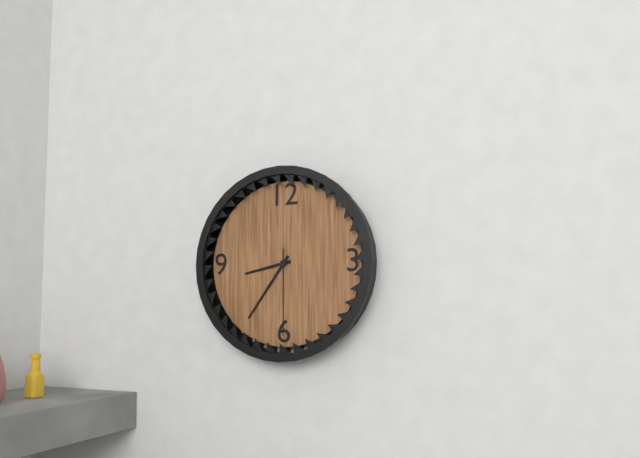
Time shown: {"hour": 8, "minute": 36, "second": 30}
